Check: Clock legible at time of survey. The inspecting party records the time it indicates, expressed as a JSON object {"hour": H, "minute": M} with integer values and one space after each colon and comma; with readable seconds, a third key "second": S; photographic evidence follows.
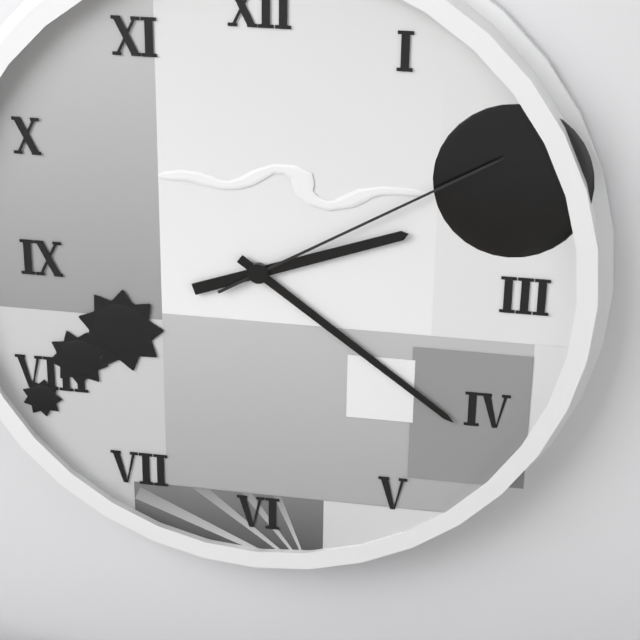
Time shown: {"hour": 2, "minute": 21, "second": 10}
